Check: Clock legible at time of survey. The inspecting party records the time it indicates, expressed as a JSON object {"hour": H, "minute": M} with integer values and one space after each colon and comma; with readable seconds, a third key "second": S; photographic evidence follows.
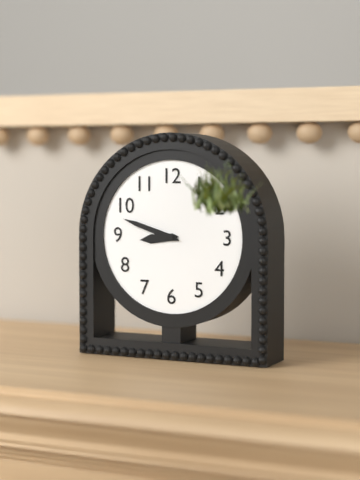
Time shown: {"hour": 8, "minute": 48}
